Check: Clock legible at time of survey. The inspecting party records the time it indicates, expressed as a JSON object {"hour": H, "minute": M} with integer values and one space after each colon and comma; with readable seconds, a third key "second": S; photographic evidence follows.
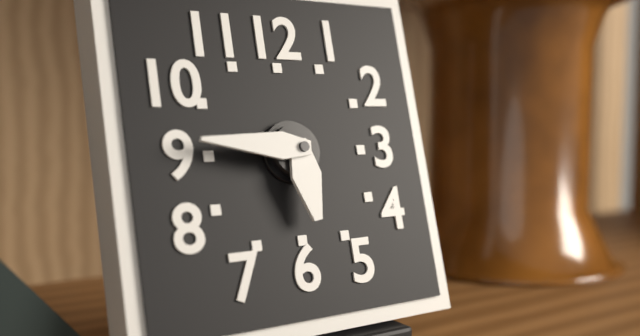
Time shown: {"hour": 5, "minute": 46}
